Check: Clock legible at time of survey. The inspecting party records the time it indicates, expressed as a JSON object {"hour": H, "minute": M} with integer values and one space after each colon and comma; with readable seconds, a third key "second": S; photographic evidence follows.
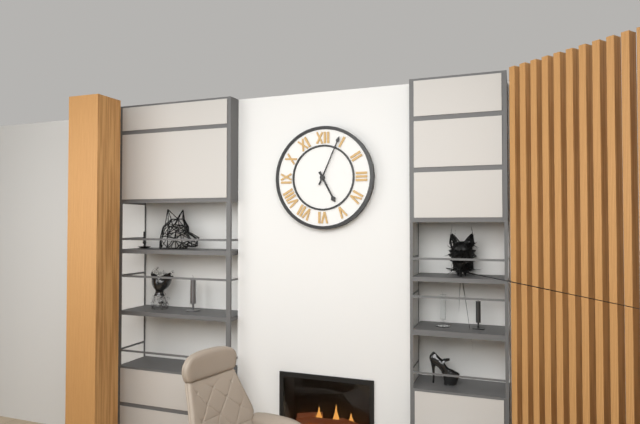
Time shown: {"hour": 5, "minute": 4}
